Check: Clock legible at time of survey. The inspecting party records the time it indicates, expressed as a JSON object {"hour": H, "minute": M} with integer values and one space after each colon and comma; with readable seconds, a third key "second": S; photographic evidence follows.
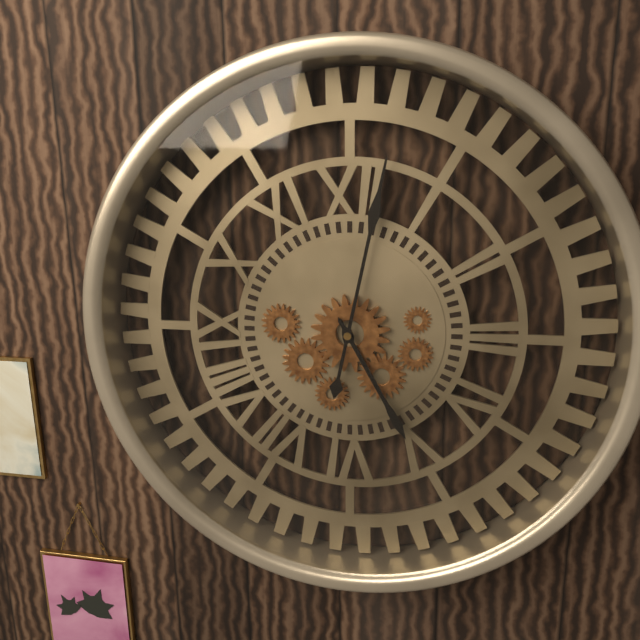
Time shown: {"hour": 5, "minute": 2}
